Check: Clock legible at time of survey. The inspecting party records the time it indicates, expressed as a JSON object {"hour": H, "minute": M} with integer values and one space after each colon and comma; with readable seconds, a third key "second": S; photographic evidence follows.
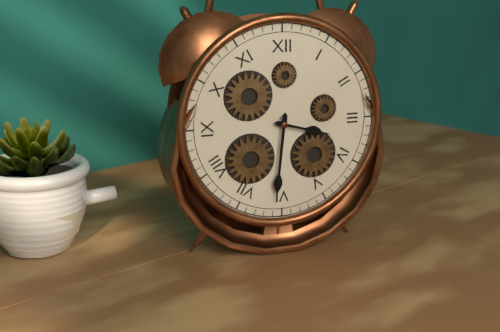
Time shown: {"hour": 3, "minute": 31}
